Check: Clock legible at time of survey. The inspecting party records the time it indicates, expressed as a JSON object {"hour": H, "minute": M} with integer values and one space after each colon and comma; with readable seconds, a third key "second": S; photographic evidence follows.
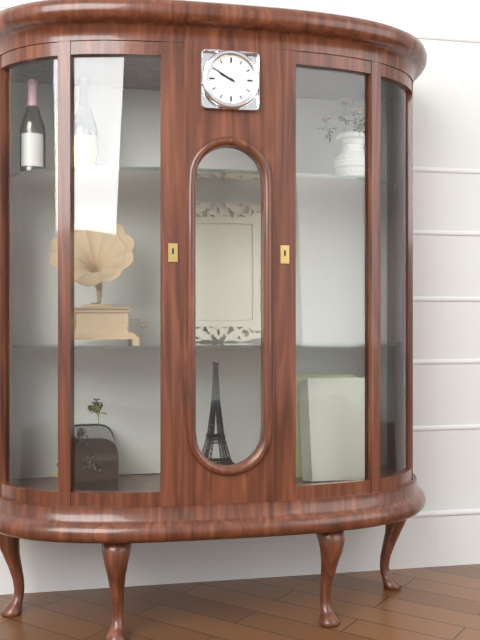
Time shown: {"hour": 9, "minute": 50}
